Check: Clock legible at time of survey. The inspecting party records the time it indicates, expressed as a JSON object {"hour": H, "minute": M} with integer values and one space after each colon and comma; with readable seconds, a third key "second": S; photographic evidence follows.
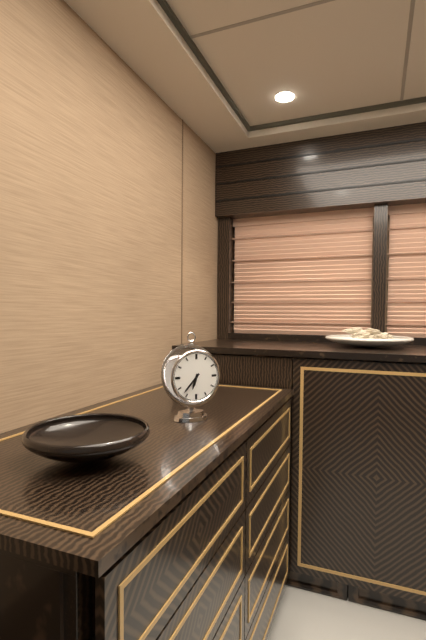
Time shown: {"hour": 6, "minute": 37}
